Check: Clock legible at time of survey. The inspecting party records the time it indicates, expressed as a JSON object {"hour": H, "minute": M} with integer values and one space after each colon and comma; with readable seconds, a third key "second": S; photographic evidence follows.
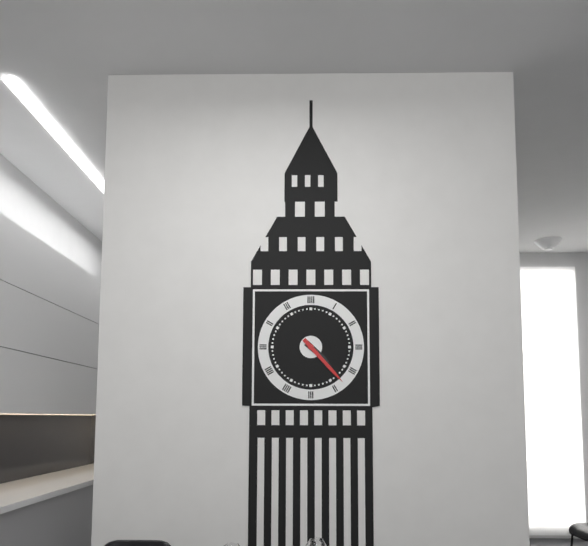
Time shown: {"hour": 4, "minute": 23}
